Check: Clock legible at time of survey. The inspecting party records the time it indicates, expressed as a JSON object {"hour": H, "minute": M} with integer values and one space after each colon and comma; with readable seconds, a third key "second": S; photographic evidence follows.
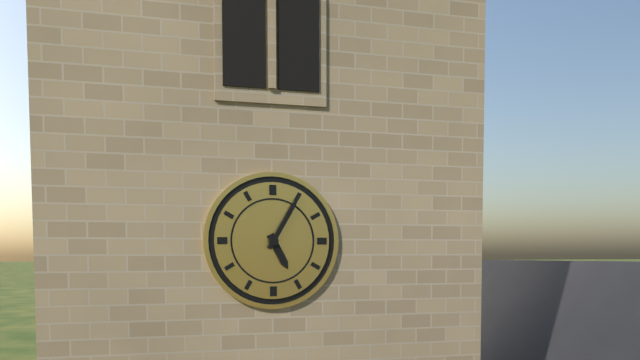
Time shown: {"hour": 5, "minute": 5}
